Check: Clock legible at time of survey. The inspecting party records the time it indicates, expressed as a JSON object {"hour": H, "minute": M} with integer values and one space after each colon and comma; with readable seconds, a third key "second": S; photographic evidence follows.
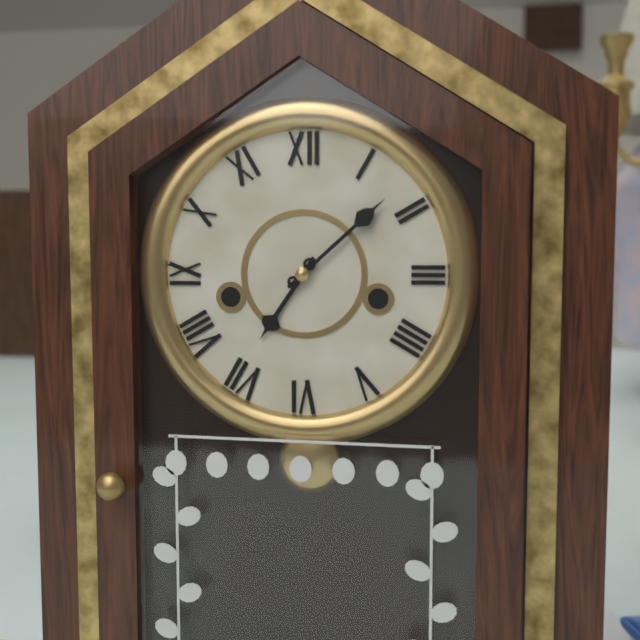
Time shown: {"hour": 7, "minute": 8}
